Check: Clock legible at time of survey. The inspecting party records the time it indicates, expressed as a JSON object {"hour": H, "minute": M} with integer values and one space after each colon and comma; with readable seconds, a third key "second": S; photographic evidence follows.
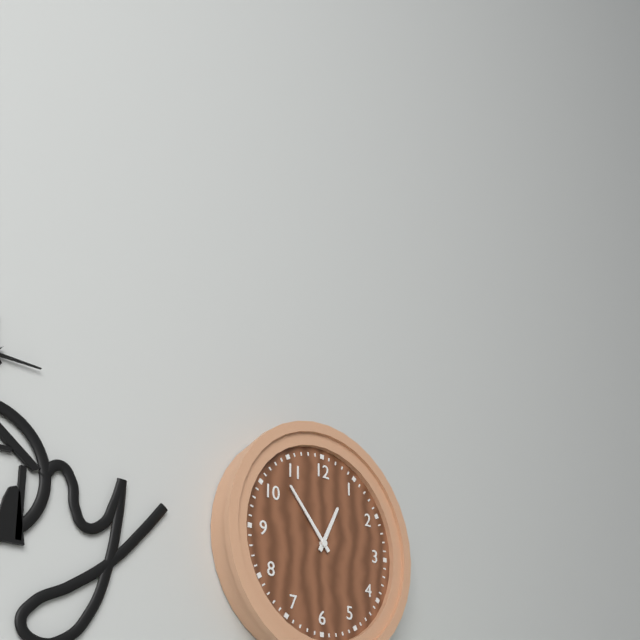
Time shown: {"hour": 12, "minute": 53}
